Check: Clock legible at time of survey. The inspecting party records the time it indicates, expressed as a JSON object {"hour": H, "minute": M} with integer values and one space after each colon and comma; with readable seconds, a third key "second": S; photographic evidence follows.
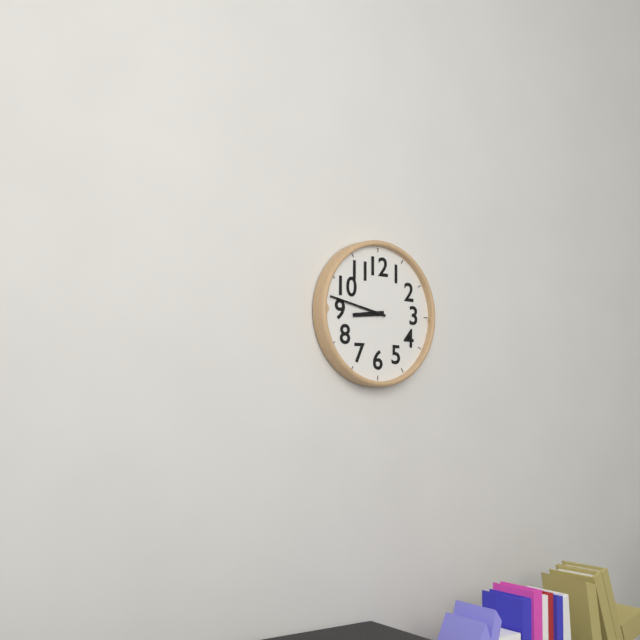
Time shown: {"hour": 8, "minute": 47}
